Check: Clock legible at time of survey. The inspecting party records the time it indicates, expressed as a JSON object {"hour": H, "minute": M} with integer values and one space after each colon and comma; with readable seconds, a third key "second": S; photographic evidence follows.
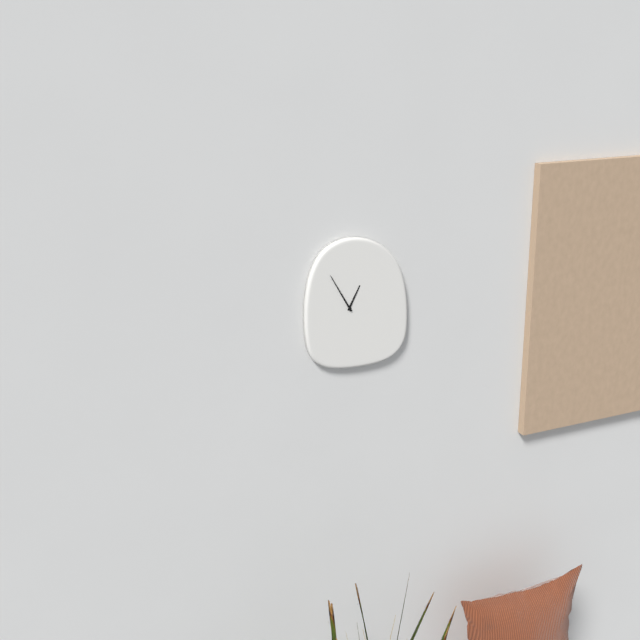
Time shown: {"hour": 12, "minute": 55}
